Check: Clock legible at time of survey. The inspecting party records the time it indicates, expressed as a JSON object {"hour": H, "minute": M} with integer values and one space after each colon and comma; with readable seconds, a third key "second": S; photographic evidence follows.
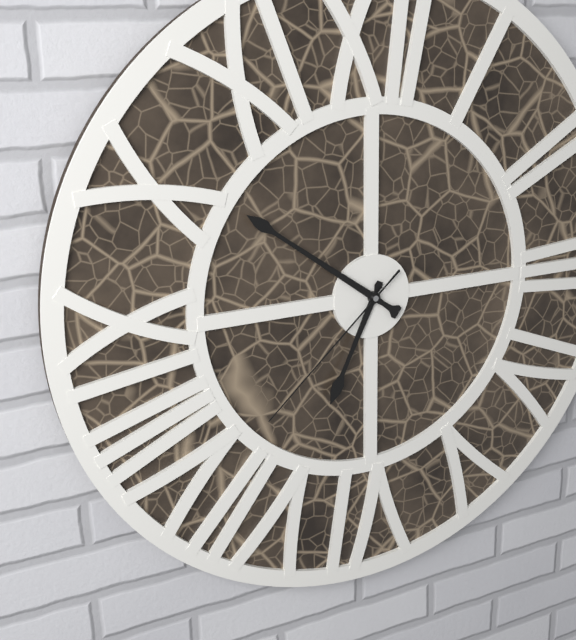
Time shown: {"hour": 6, "minute": 51, "second": 38}
